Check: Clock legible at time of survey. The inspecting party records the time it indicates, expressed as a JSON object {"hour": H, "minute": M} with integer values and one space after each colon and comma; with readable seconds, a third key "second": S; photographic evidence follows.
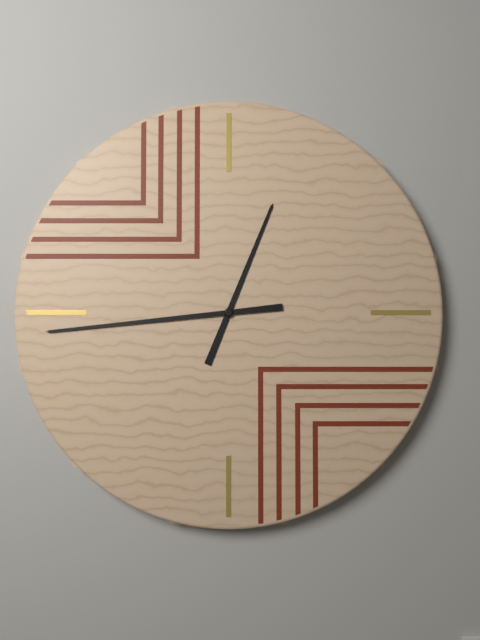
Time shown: {"hour": 12, "minute": 44}
